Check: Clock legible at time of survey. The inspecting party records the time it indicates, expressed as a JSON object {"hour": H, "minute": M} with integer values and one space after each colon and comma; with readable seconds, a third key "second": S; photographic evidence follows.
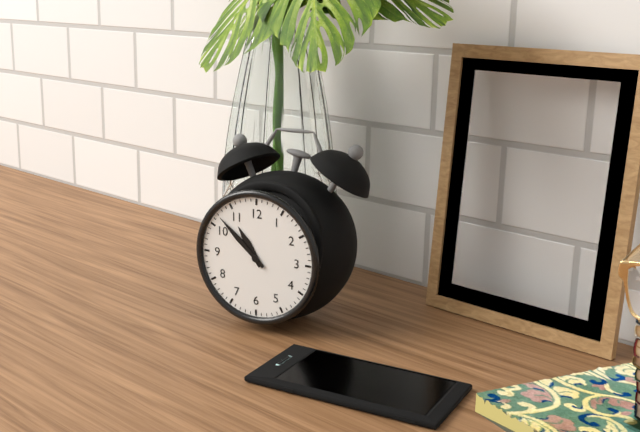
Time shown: {"hour": 10, "minute": 52}
